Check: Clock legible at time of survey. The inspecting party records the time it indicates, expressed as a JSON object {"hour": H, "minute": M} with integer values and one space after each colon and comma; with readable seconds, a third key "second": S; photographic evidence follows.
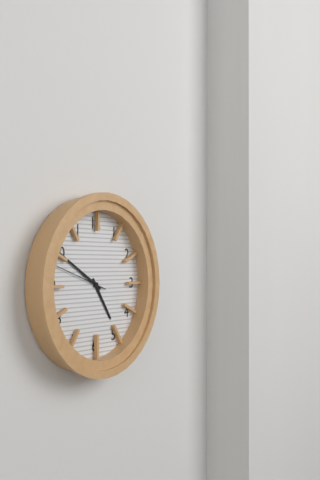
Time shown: {"hour": 4, "minute": 50, "second": 48}
